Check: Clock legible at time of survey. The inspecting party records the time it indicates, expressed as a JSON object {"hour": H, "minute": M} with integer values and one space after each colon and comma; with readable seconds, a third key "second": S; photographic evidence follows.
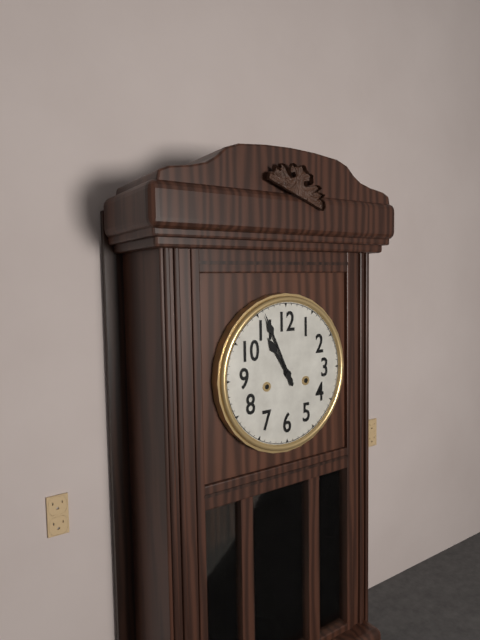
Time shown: {"hour": 10, "minute": 56}
